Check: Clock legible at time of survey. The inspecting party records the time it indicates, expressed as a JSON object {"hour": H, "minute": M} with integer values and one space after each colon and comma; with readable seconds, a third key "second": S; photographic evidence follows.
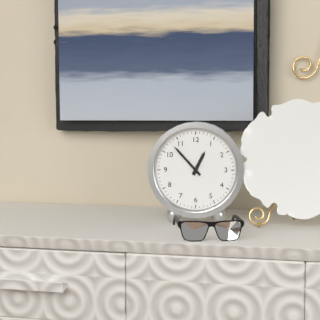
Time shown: {"hour": 12, "minute": 53}
